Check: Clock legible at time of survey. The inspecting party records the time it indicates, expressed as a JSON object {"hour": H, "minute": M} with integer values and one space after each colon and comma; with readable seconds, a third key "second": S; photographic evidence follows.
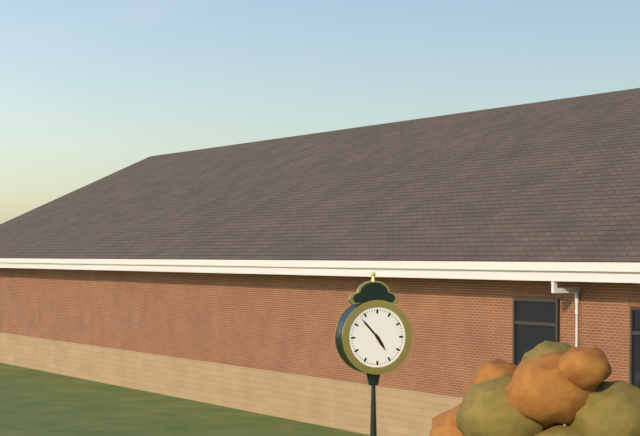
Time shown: {"hour": 4, "minute": 53}
